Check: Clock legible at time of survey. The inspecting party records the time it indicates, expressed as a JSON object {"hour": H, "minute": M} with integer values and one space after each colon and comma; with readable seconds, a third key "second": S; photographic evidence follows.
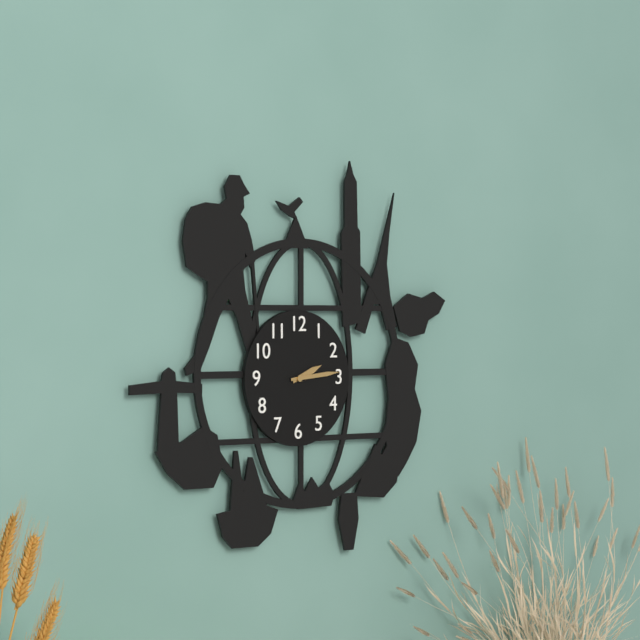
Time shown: {"hour": 2, "minute": 14}
